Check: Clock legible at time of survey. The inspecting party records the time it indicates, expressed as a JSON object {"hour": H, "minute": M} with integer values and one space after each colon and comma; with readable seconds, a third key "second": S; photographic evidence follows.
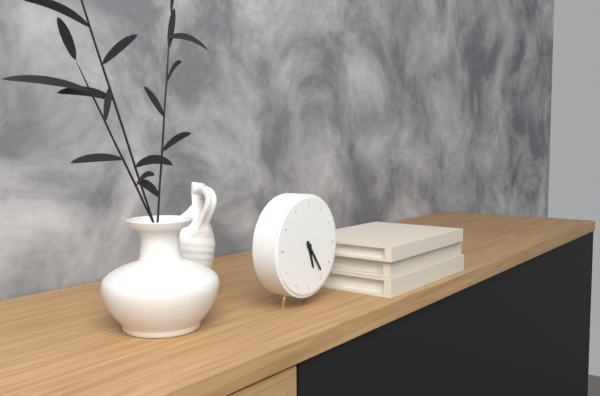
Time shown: {"hour": 5, "minute": 24}
